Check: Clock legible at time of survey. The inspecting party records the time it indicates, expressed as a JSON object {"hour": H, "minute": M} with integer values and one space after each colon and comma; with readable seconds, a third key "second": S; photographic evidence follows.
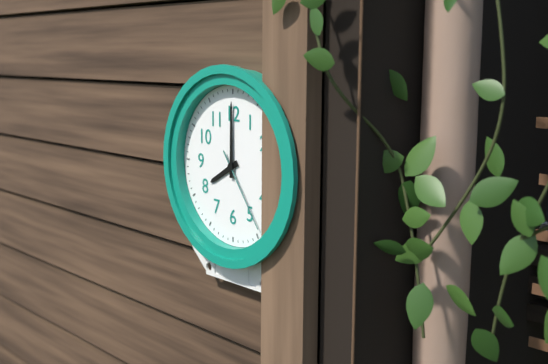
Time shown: {"hour": 8, "minute": 0, "second": 24}
